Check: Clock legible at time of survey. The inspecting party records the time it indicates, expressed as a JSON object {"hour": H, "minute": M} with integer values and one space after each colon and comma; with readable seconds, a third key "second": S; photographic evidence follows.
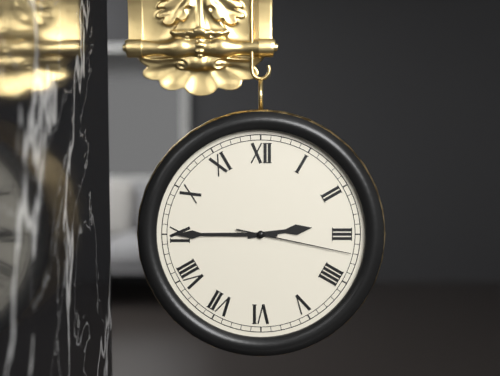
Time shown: {"hour": 2, "minute": 45, "second": 17}
